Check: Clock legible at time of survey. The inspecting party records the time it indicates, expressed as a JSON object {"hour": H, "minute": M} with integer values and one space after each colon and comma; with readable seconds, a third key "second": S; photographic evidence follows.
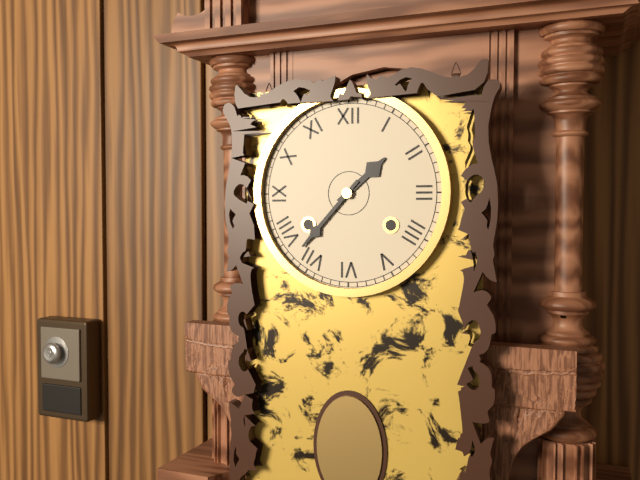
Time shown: {"hour": 1, "minute": 37}
